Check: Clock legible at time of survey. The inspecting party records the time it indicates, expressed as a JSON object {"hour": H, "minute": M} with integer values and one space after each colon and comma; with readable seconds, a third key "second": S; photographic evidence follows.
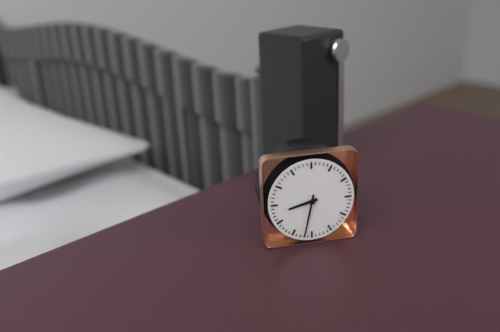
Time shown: {"hour": 8, "minute": 32}
